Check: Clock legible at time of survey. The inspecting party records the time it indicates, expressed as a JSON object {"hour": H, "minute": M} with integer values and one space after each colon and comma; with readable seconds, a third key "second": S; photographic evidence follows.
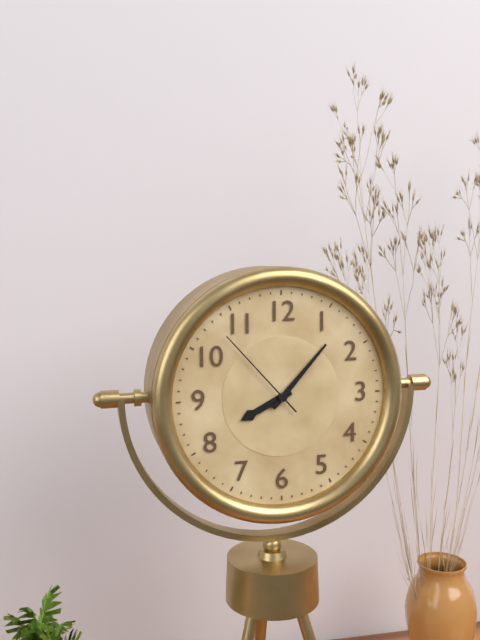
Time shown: {"hour": 8, "minute": 7, "second": 53}
